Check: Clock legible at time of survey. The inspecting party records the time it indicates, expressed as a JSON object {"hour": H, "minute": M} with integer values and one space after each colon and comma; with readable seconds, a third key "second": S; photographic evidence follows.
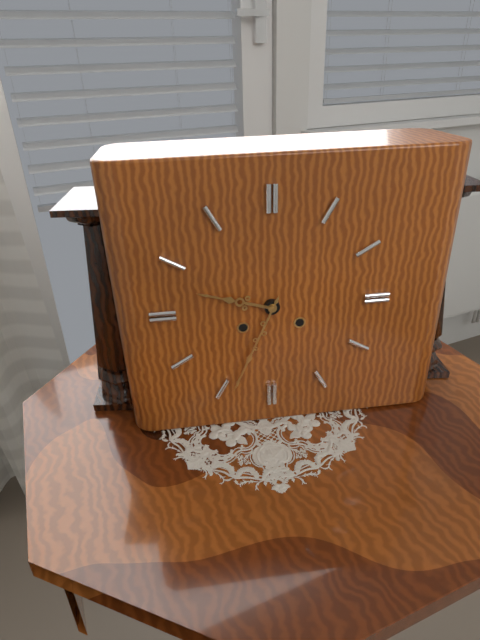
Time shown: {"hour": 9, "minute": 34}
